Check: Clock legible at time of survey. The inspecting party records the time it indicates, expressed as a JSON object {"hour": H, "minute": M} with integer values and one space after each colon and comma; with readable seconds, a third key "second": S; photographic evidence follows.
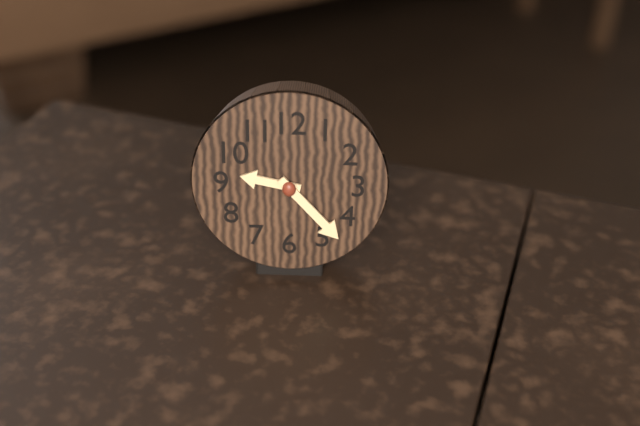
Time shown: {"hour": 9, "minute": 23}
